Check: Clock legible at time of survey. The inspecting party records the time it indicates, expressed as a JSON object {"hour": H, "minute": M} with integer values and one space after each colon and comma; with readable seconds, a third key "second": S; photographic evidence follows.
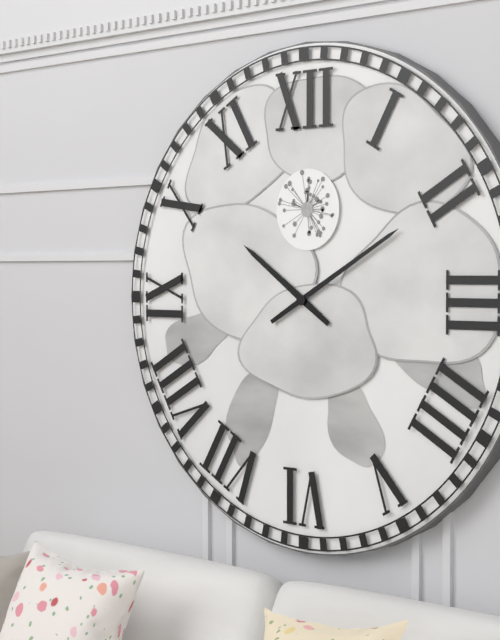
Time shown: {"hour": 10, "minute": 10}
